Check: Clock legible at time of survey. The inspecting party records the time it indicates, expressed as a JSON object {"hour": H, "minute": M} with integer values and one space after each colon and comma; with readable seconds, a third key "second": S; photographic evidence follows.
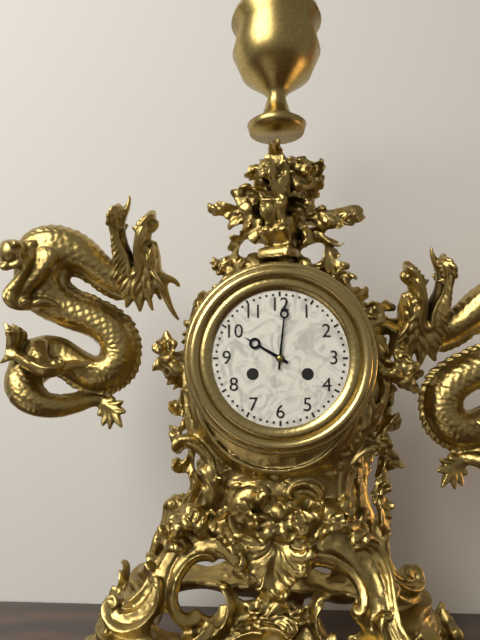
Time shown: {"hour": 10, "minute": 1}
